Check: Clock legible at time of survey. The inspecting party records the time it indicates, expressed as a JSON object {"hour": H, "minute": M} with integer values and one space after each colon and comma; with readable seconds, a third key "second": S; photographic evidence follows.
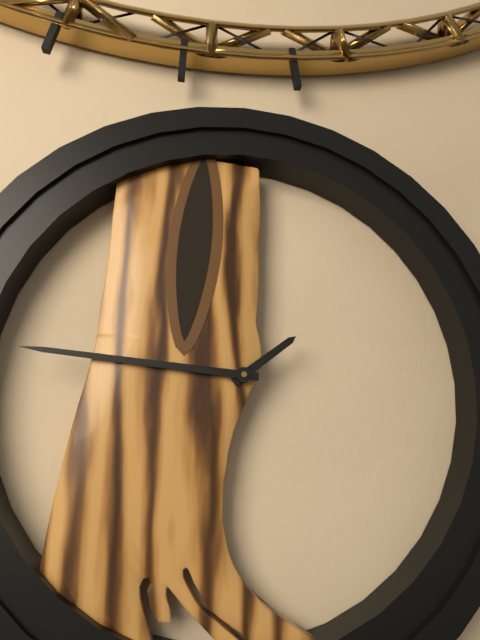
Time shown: {"hour": 1, "minute": 46}
